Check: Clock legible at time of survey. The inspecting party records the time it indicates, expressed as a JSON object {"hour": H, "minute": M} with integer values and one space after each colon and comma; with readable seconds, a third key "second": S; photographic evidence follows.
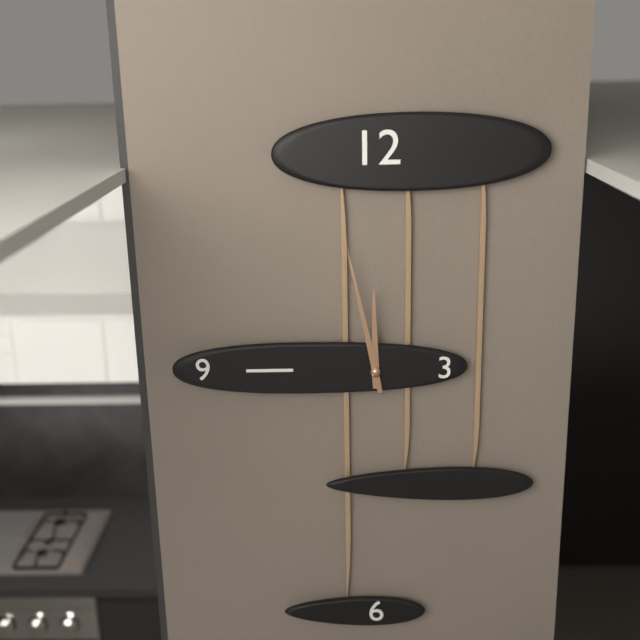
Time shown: {"hour": 11, "minute": 58}
